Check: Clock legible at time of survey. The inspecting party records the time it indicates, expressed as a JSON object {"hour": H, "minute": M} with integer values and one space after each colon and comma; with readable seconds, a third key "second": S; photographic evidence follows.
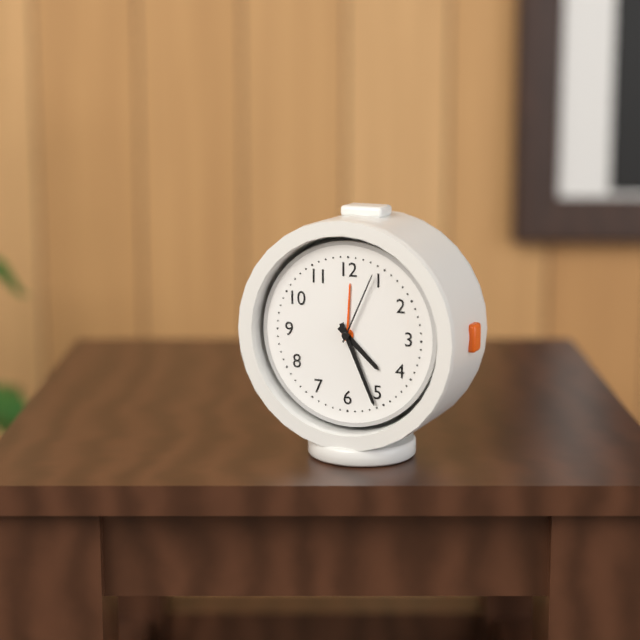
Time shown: {"hour": 4, "minute": 26, "second": 4}
